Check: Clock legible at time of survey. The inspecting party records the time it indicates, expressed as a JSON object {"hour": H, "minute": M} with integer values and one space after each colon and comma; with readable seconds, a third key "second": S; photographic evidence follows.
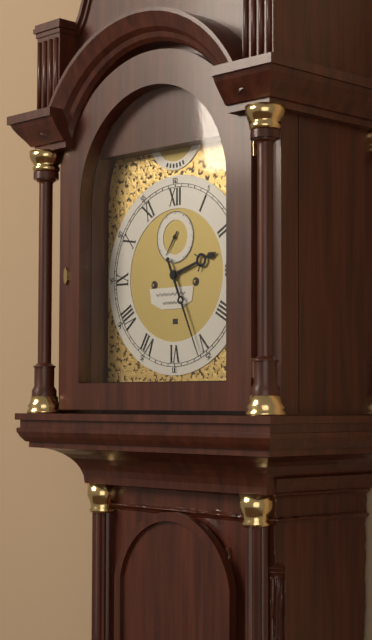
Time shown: {"hour": 2, "minute": 26}
